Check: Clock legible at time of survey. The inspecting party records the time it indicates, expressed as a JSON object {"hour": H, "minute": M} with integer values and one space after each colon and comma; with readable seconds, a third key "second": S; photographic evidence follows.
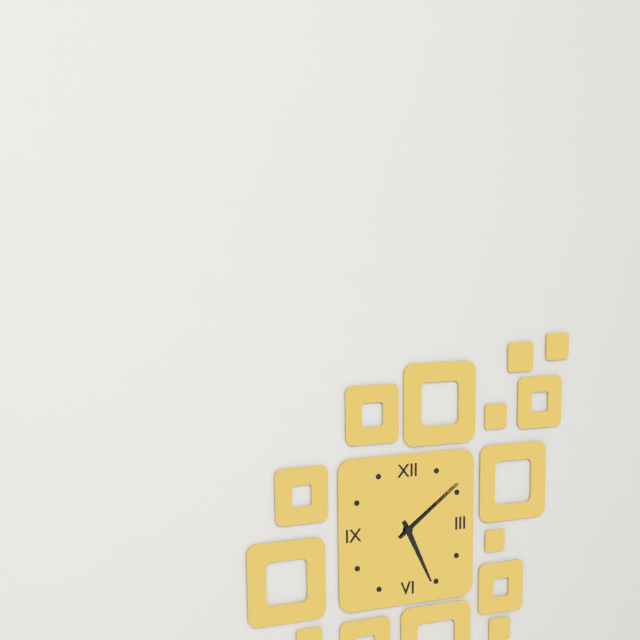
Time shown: {"hour": 5, "minute": 9}
